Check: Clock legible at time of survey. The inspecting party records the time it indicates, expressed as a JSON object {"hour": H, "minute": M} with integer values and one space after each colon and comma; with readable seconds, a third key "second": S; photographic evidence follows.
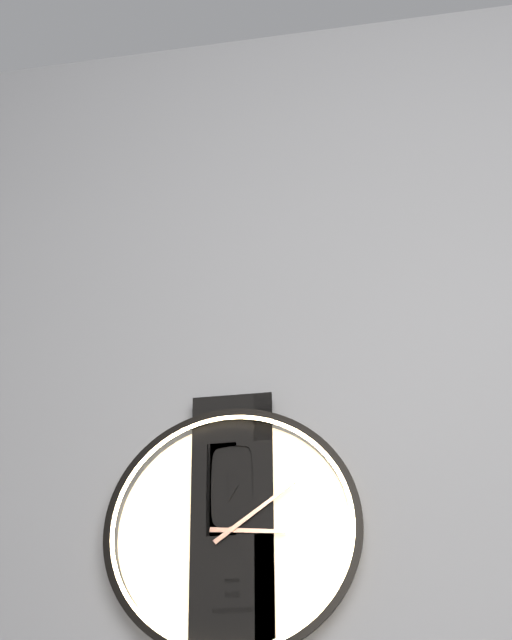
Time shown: {"hour": 3, "minute": 9}
